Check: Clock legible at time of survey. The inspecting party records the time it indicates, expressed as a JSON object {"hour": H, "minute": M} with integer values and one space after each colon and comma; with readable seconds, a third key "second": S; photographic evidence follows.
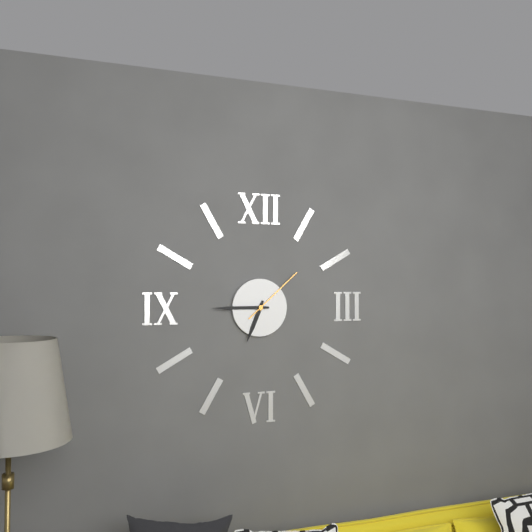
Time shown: {"hour": 6, "minute": 45, "second": 8}
